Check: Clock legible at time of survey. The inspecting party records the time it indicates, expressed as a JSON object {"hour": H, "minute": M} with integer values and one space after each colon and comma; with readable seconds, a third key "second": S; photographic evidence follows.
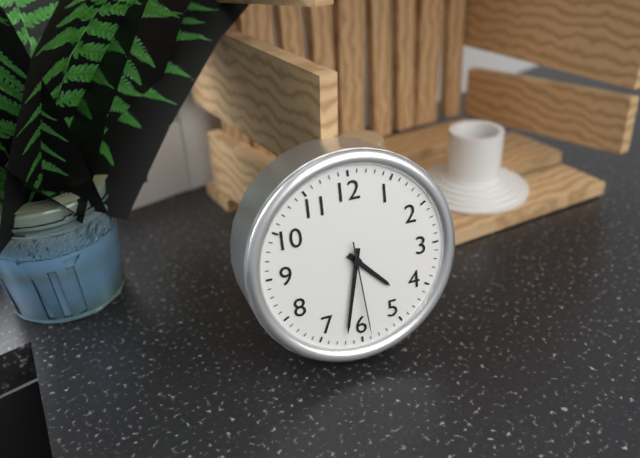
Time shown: {"hour": 4, "minute": 32, "second": 29}
